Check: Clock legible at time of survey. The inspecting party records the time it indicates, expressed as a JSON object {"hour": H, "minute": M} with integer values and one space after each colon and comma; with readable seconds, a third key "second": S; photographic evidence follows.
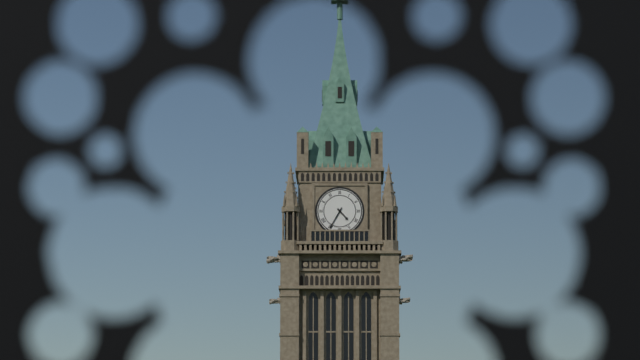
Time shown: {"hour": 4, "minute": 35}
